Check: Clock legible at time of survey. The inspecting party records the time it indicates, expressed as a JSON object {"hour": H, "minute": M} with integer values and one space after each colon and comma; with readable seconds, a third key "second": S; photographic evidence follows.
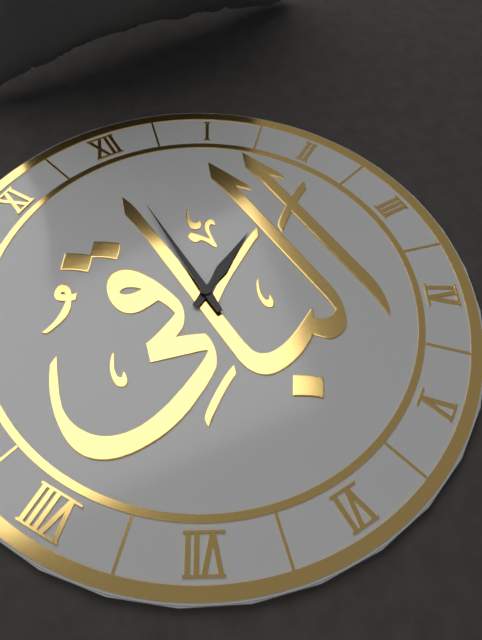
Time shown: {"hour": 2, "minute": 0}
